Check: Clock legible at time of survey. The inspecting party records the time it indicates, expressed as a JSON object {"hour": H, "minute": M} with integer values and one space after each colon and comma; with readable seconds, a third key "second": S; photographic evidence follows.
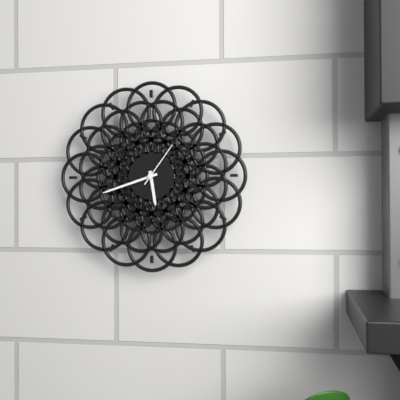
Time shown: {"hour": 5, "minute": 42}
